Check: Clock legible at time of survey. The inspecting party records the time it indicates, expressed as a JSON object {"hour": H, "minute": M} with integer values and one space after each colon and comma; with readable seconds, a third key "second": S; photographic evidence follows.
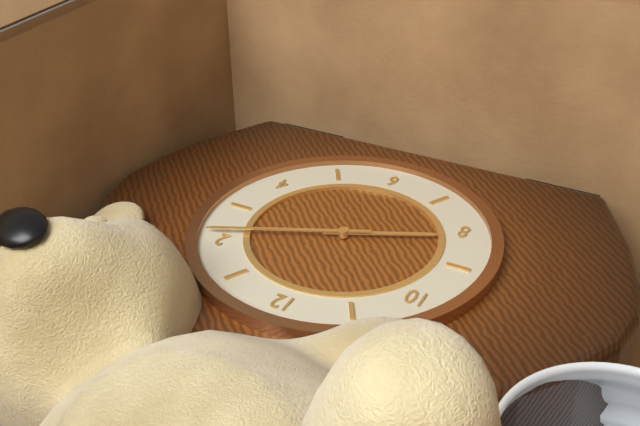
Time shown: {"hour": 8, "minute": 11}
